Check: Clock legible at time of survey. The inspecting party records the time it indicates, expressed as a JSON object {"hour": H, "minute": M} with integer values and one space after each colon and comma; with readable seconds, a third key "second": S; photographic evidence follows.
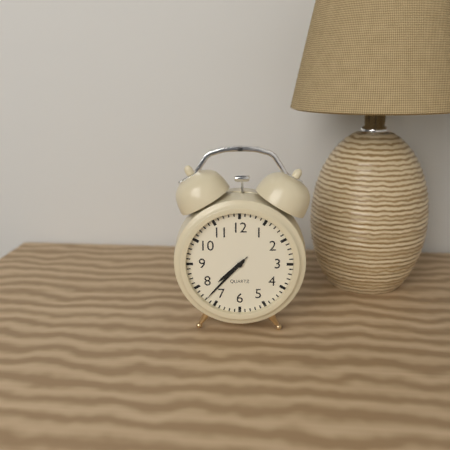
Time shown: {"hour": 7, "minute": 37, "second": 37}
